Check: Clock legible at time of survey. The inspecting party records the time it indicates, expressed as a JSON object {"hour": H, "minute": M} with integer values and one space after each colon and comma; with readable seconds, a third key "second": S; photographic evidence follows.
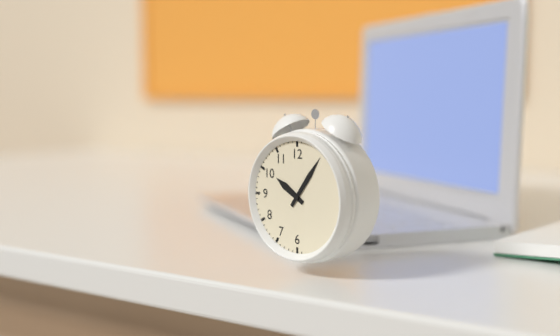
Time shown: {"hour": 10, "minute": 6}
